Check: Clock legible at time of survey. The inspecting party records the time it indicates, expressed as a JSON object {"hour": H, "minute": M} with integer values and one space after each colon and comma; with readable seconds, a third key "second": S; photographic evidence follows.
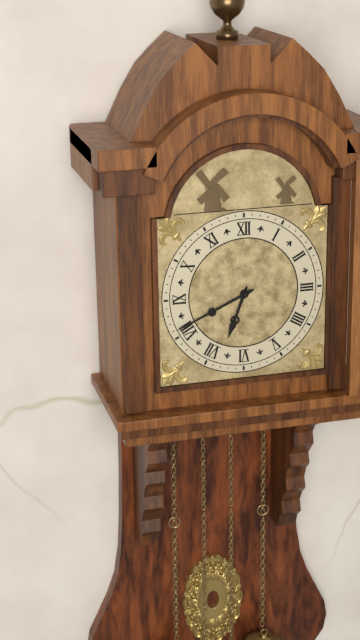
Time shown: {"hour": 6, "minute": 41}
